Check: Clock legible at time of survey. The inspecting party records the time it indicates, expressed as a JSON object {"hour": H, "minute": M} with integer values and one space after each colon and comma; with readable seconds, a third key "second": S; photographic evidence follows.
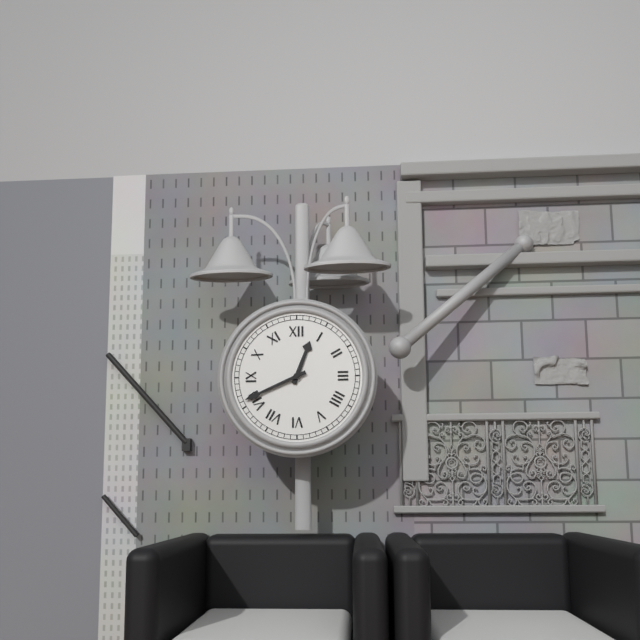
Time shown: {"hour": 12, "minute": 41}
